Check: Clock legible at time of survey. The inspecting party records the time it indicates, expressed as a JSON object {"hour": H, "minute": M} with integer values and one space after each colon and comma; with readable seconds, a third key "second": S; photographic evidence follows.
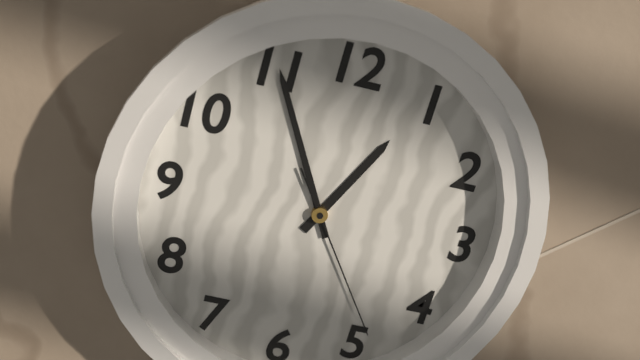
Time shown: {"hour": 12, "minute": 55, "second": 24}
